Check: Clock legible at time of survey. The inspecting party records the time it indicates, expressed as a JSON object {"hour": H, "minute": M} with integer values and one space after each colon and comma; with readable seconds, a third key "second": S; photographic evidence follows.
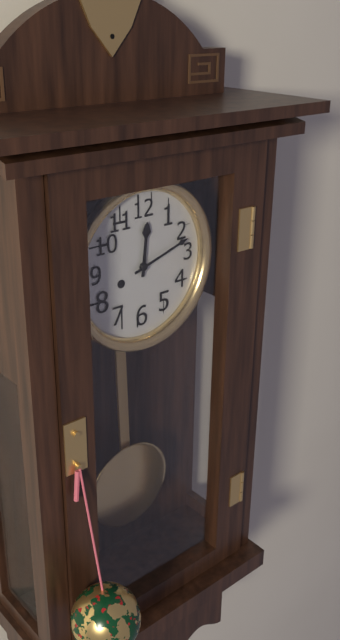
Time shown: {"hour": 12, "minute": 12}
